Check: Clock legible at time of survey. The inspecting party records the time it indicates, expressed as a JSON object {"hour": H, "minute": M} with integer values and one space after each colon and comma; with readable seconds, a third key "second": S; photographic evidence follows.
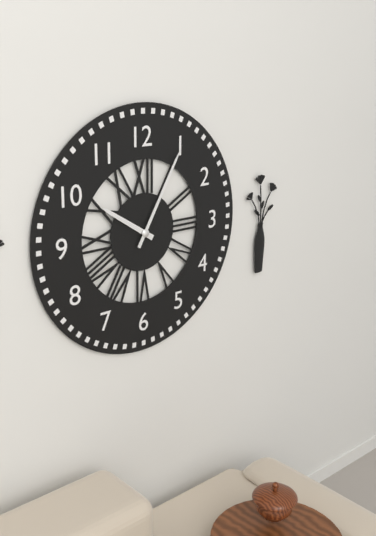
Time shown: {"hour": 10, "minute": 5}
